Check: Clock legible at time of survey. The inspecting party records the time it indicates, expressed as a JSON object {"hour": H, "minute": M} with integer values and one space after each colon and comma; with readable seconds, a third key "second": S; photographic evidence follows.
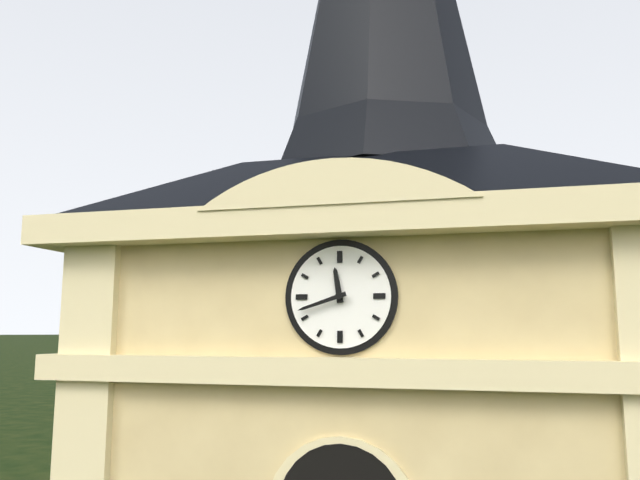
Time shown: {"hour": 11, "minute": 42}
